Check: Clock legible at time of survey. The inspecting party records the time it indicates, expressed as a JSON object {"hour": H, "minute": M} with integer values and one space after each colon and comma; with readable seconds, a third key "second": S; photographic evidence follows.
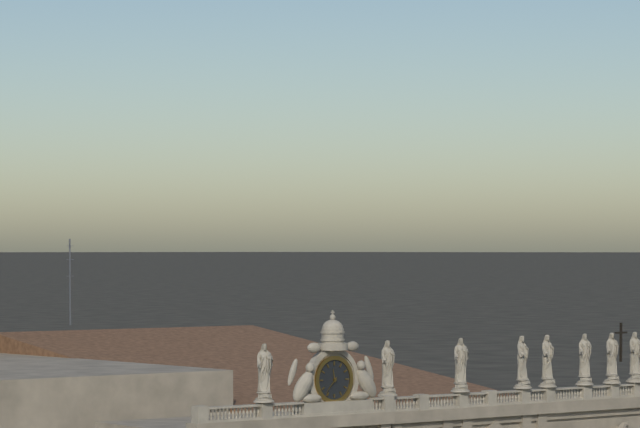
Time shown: {"hour": 11, "minute": 37}
